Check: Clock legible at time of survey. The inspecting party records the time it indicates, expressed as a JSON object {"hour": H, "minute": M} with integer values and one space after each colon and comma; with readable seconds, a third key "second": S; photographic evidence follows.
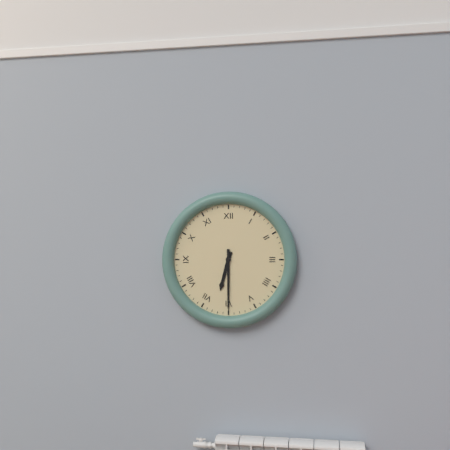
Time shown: {"hour": 6, "minute": 30}
